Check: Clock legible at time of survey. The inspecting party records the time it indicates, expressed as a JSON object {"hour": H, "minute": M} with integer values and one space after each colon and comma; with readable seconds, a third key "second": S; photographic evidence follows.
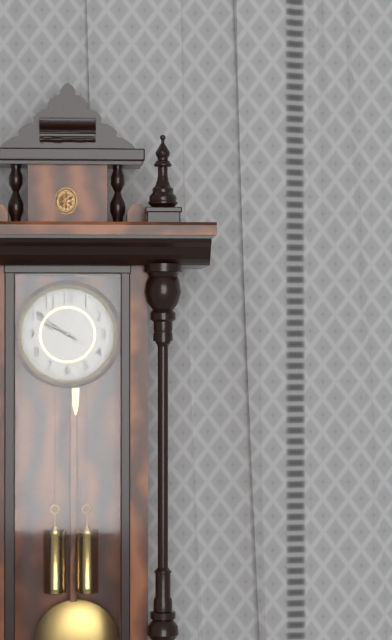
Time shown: {"hour": 9, "minute": 51}
